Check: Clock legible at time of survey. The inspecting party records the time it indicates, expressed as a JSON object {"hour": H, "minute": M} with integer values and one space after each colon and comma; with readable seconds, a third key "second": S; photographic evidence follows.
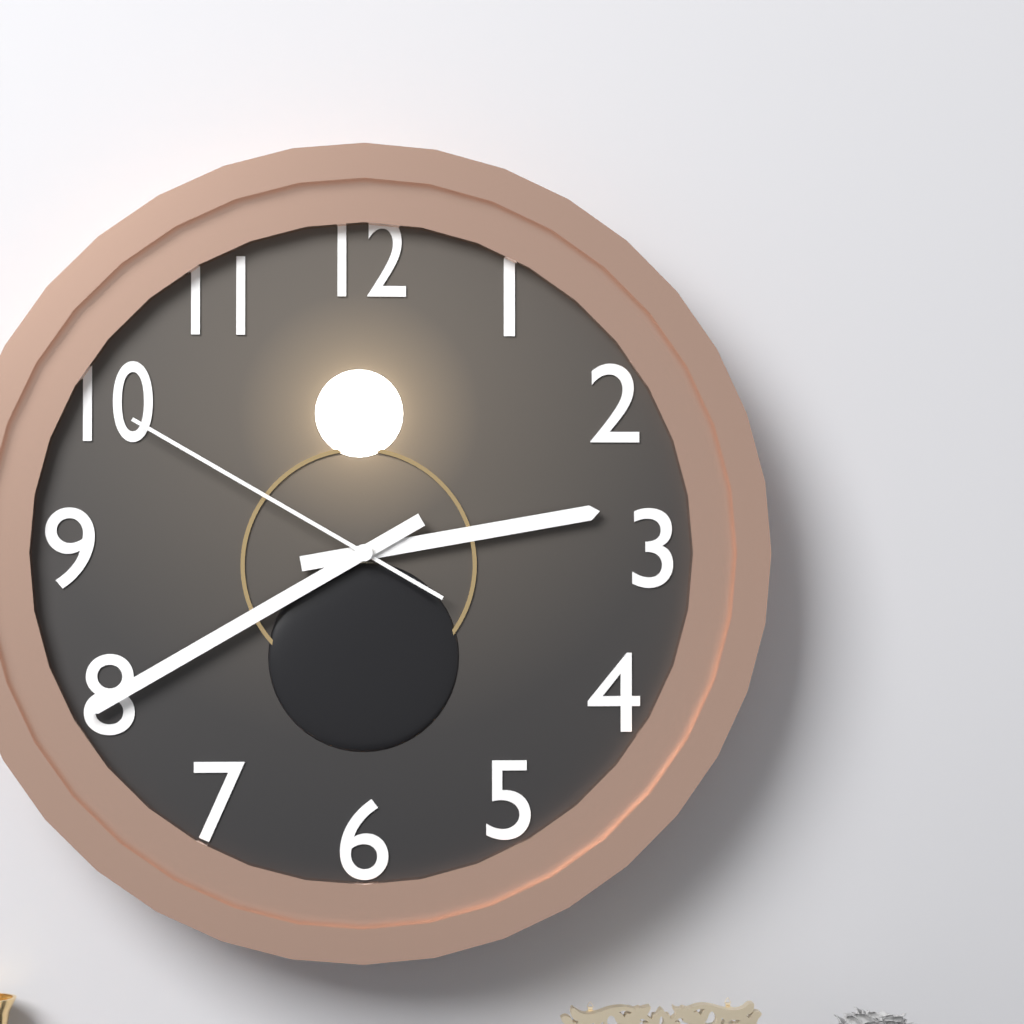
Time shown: {"hour": 2, "minute": 40, "second": 50}
